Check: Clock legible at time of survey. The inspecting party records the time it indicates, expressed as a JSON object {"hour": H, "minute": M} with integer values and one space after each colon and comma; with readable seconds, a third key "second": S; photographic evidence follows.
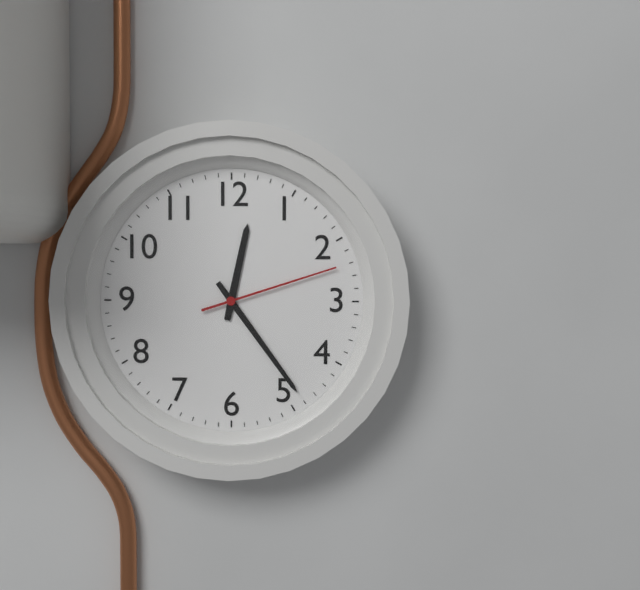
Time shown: {"hour": 12, "minute": 24, "second": 12}
